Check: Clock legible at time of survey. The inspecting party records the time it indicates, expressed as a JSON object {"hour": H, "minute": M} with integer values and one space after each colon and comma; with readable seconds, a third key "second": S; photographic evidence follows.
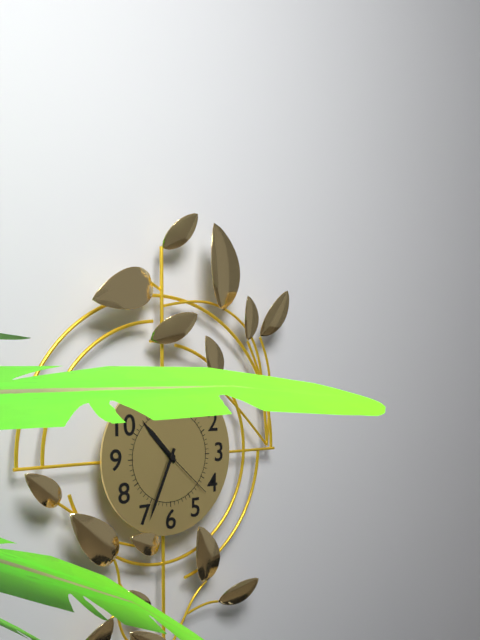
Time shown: {"hour": 10, "minute": 34, "second": 22}
